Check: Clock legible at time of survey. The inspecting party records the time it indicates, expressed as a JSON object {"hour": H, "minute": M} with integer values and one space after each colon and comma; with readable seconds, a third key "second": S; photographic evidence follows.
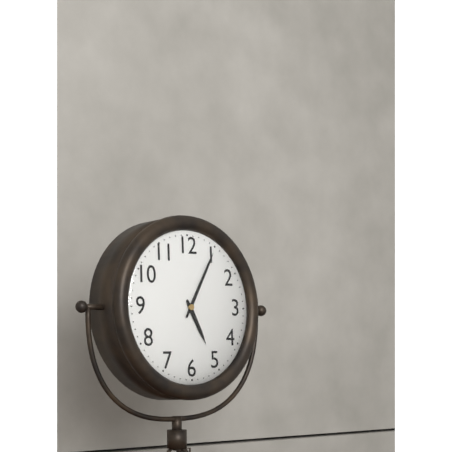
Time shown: {"hour": 5, "minute": 5}
